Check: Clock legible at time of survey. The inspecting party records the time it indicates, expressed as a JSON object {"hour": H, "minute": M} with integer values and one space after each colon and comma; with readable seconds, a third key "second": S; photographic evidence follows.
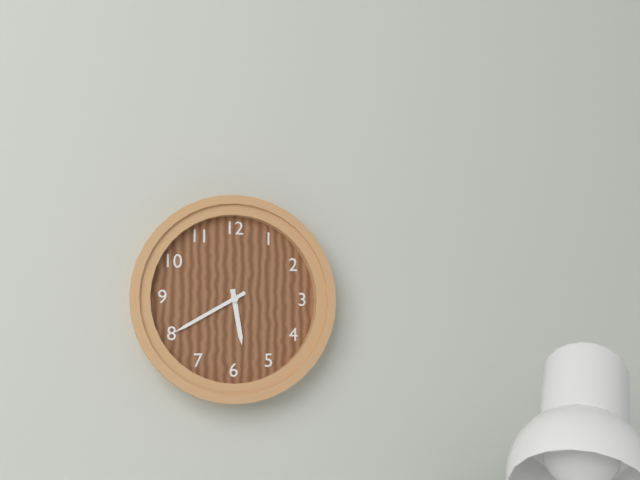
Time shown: {"hour": 5, "minute": 40}
